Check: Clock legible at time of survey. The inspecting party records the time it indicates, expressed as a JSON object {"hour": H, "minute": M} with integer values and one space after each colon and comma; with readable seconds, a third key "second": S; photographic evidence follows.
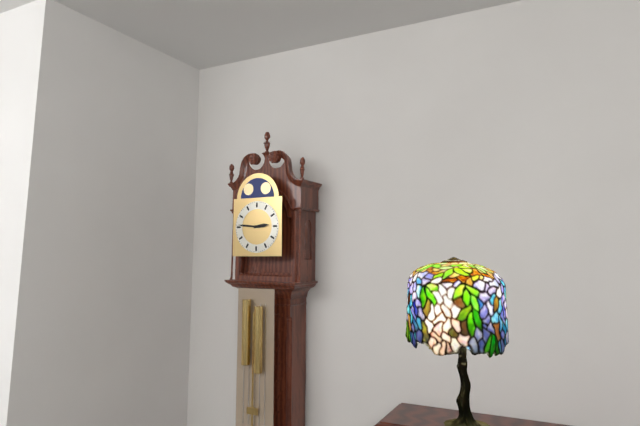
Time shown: {"hour": 2, "minute": 46}
